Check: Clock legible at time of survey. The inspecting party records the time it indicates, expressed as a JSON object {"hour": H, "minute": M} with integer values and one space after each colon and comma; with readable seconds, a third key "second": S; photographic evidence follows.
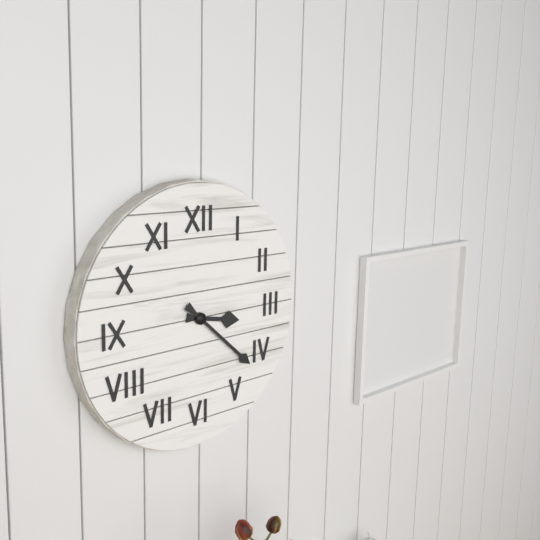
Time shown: {"hour": 3, "minute": 22}
